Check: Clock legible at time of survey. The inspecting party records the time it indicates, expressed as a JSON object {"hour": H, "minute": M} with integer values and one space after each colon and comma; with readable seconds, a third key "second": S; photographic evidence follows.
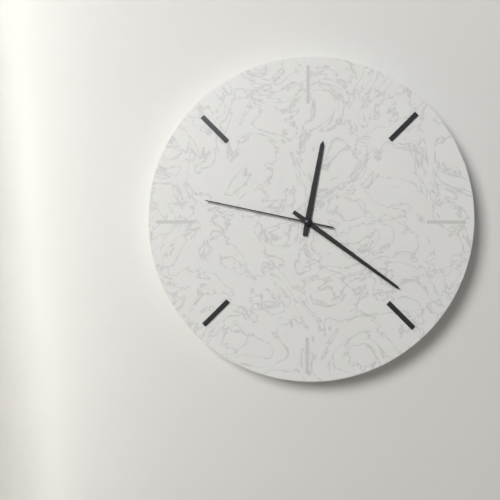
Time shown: {"hour": 12, "minute": 21, "second": 47}
